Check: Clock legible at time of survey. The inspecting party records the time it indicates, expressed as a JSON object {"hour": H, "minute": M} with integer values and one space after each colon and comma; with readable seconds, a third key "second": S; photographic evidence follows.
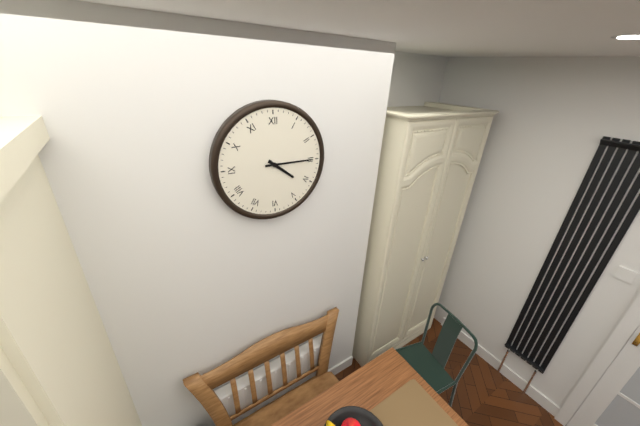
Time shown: {"hour": 4, "minute": 15}
